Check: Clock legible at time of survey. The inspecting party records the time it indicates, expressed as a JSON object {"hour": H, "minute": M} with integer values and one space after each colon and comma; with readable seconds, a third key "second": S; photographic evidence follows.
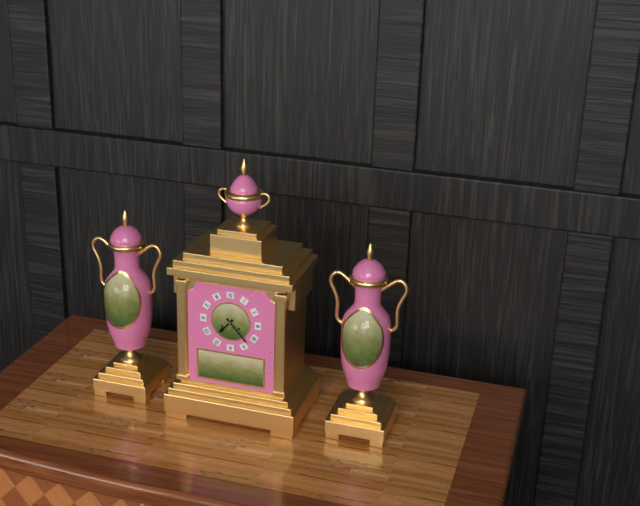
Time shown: {"hour": 7, "minute": 23}
